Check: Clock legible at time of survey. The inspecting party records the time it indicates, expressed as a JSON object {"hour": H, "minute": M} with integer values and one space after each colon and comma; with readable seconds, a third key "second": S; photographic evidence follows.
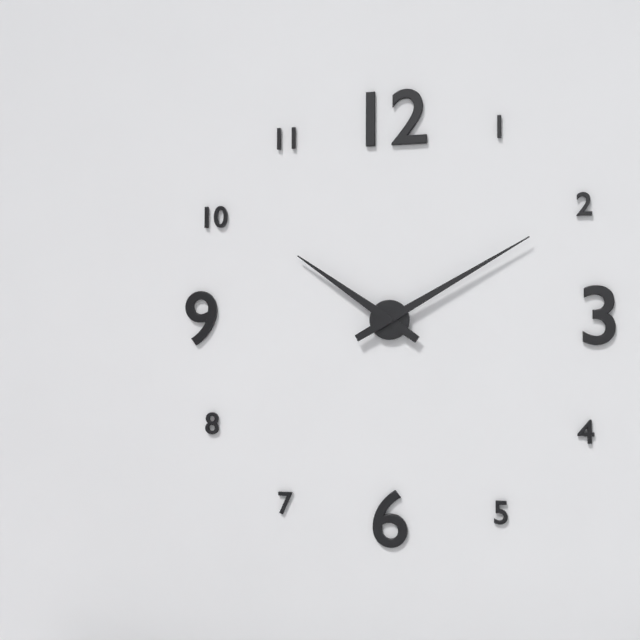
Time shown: {"hour": 10, "minute": 10}
